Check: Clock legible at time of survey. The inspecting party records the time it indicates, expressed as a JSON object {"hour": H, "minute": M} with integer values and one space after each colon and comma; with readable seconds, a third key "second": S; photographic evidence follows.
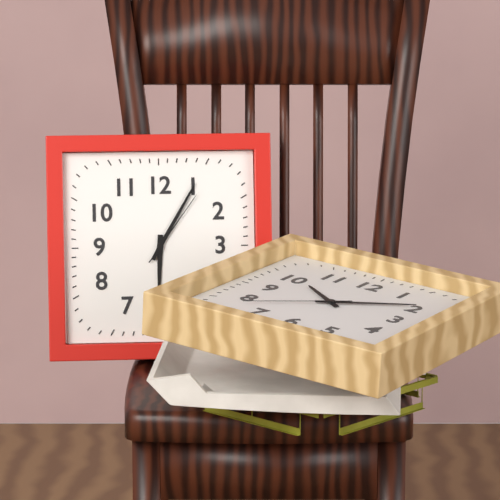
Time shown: {"hour": 6, "minute": 5, "second": 6}
